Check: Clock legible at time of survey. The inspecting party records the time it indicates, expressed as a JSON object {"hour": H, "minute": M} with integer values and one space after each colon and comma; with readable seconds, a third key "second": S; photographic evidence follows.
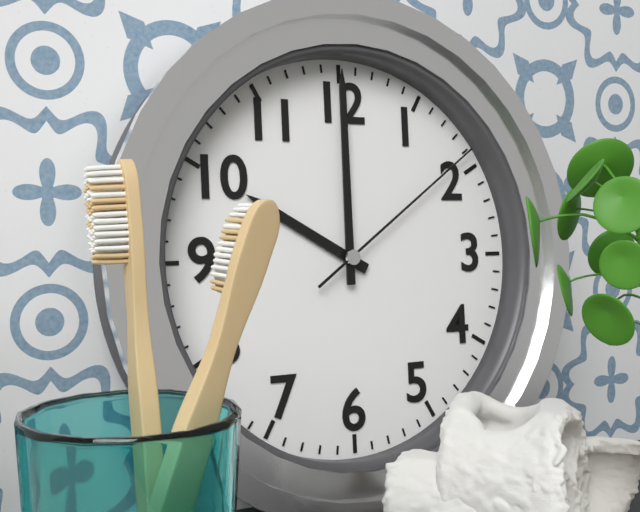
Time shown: {"hour": 10, "minute": 0, "second": 9}
